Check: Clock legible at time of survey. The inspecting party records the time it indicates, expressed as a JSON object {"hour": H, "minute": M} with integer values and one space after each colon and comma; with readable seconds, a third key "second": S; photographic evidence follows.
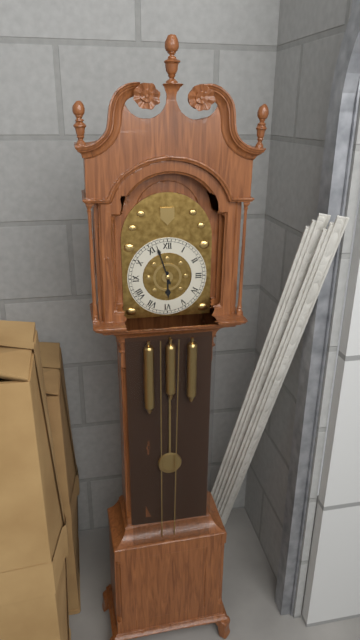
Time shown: {"hour": 5, "minute": 57}
